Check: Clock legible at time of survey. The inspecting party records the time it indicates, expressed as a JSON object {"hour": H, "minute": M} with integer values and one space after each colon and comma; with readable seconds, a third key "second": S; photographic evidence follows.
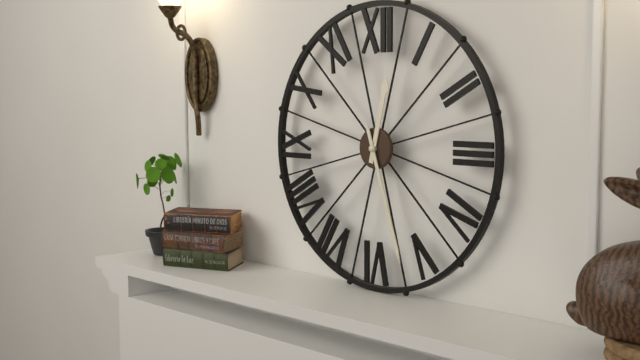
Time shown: {"hour": 12, "minute": 27}
